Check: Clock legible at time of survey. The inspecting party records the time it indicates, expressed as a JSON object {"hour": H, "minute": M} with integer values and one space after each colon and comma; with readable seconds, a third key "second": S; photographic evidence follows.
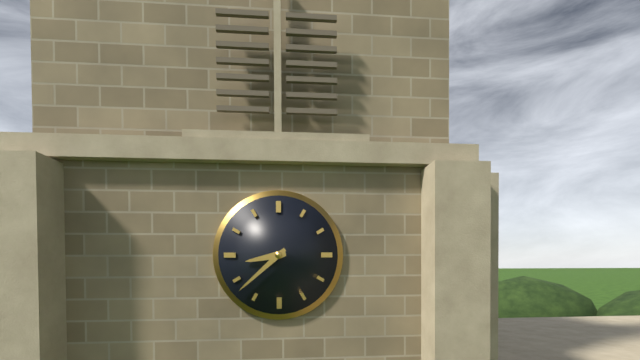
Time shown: {"hour": 8, "minute": 38}
